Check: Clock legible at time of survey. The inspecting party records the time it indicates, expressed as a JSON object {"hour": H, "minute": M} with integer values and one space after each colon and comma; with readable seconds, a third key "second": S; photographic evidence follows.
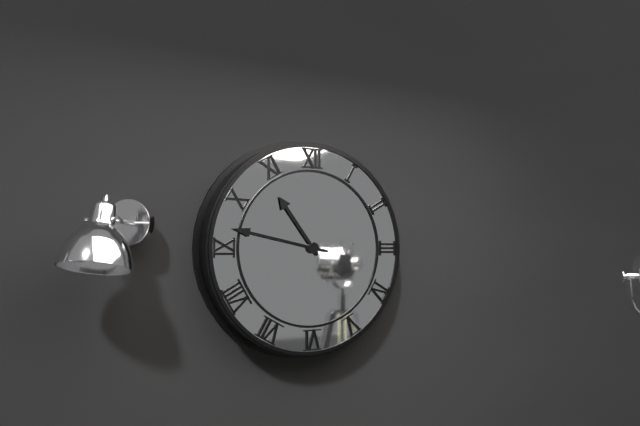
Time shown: {"hour": 10, "minute": 47}
